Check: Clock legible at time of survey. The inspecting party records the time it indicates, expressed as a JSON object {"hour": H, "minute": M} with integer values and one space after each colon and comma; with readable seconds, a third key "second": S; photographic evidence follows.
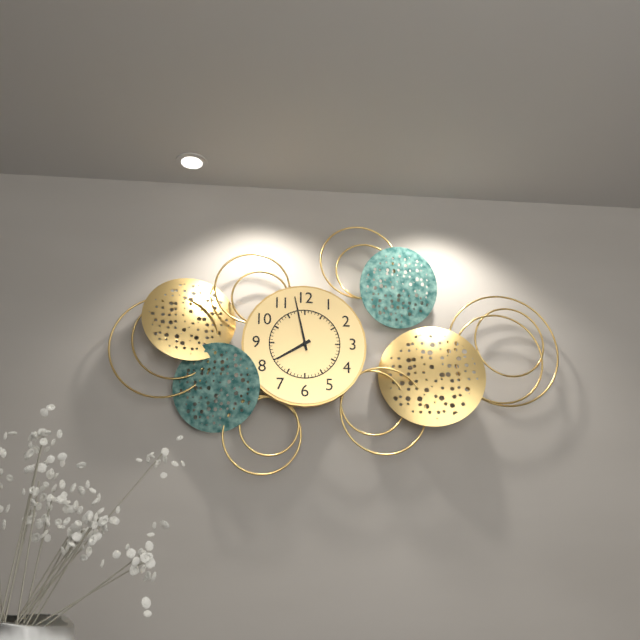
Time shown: {"hour": 7, "minute": 58}
